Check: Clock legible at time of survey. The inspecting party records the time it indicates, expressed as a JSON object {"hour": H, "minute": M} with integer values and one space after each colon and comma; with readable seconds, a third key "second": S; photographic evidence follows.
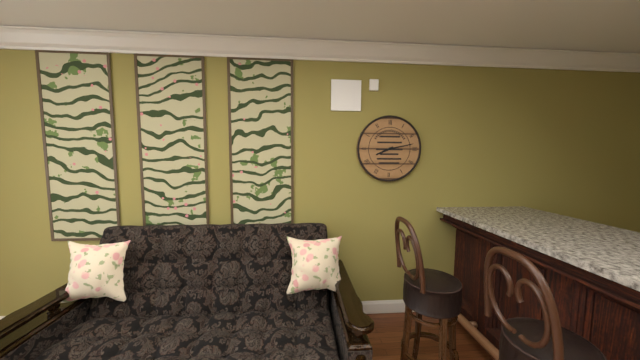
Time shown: {"hour": 8, "minute": 13}
